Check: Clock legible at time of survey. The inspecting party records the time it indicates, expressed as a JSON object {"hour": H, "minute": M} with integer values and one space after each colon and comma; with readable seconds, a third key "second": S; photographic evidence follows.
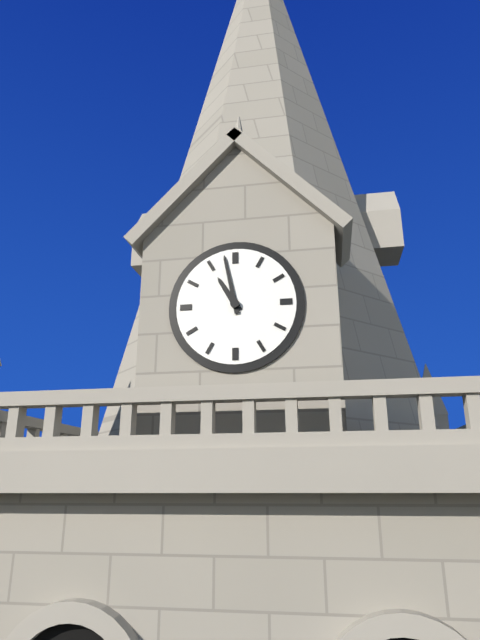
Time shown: {"hour": 10, "minute": 58}
